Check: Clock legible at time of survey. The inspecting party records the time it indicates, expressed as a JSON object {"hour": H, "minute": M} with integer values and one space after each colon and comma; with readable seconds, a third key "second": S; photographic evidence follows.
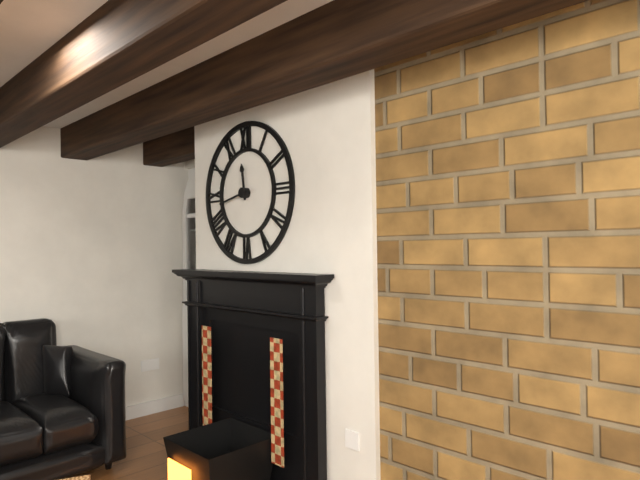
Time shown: {"hour": 11, "minute": 43}
